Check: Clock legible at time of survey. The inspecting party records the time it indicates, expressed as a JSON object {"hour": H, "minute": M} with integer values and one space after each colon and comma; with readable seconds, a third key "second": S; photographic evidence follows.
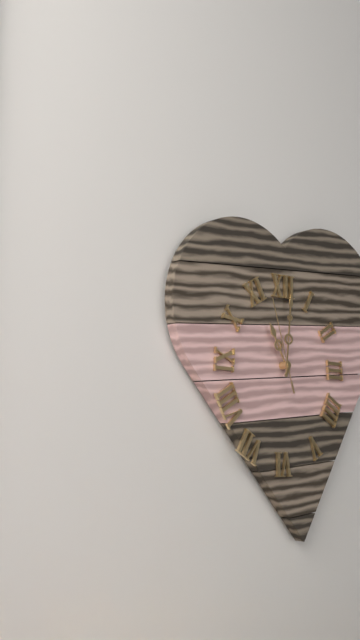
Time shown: {"hour": 11, "minute": 1, "second": 57}
